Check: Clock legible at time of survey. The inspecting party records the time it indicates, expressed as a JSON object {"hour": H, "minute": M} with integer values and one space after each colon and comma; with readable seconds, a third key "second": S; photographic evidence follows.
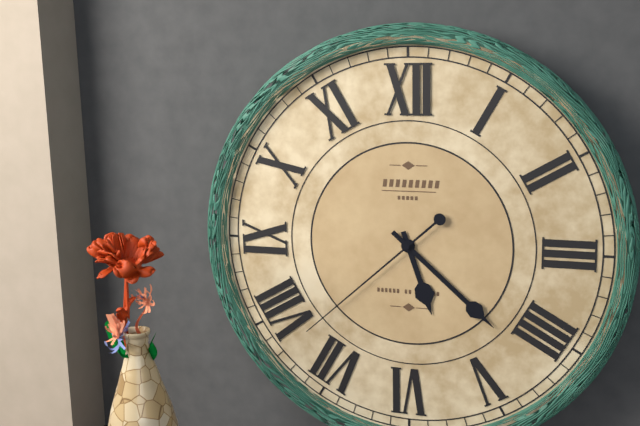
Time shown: {"hour": 5, "minute": 22, "second": 38}
